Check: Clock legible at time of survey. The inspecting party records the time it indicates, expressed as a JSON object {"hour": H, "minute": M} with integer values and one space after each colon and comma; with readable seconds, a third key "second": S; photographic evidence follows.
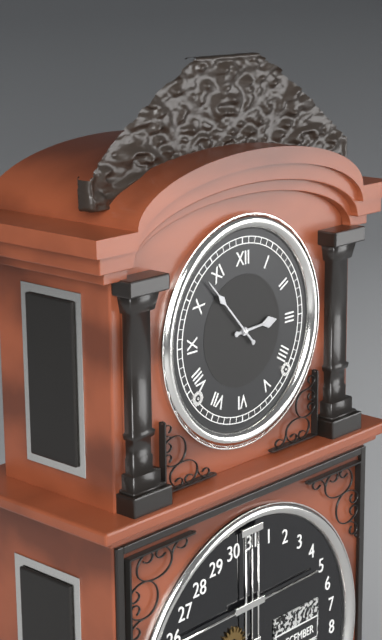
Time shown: {"hour": 2, "minute": 53}
